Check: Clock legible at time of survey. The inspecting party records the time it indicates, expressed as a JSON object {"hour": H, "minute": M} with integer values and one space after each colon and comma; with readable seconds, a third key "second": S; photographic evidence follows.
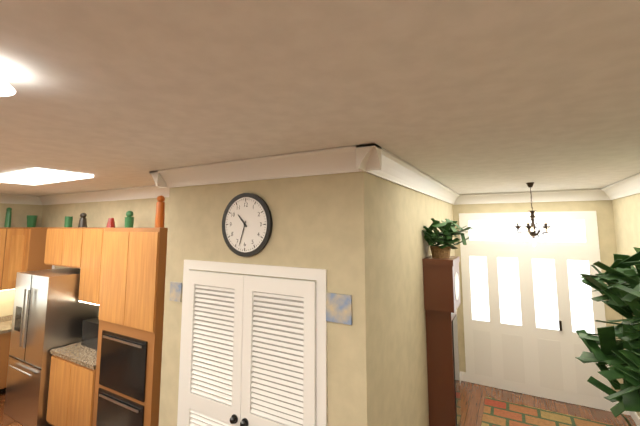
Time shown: {"hour": 10, "minute": 33}
